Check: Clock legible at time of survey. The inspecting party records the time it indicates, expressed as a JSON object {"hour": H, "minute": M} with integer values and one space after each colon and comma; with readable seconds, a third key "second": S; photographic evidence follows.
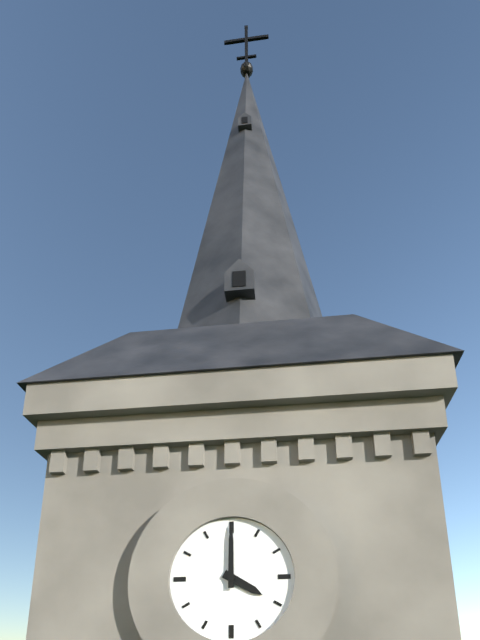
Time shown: {"hour": 4, "minute": 0}
